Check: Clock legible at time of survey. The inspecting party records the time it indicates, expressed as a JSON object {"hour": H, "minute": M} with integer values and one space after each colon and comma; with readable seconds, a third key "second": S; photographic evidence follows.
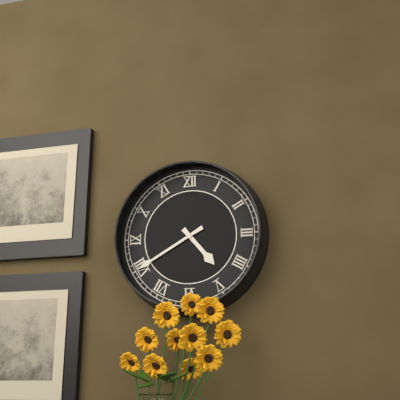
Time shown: {"hour": 4, "minute": 40}
